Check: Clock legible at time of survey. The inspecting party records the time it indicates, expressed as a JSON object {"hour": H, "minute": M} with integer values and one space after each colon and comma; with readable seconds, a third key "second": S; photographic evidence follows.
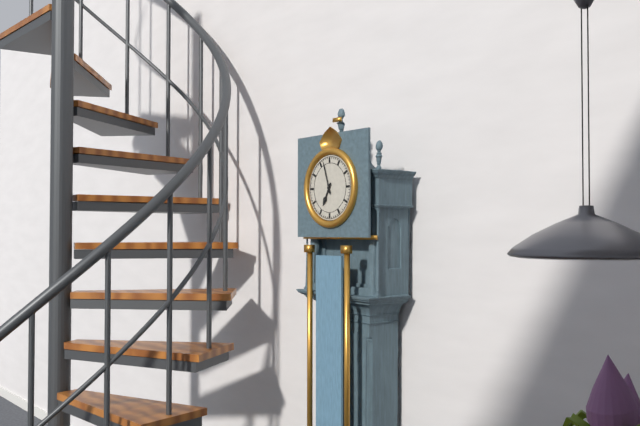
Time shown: {"hour": 6, "minute": 57}
